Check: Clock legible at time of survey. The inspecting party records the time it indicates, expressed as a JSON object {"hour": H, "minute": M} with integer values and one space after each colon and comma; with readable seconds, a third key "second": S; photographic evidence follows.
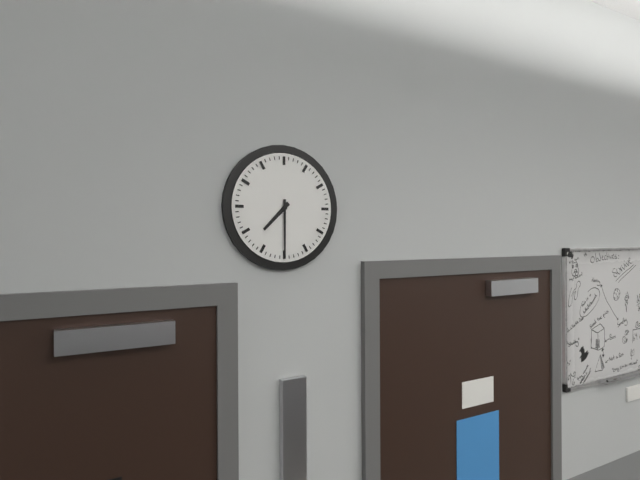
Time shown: {"hour": 7, "minute": 30}
